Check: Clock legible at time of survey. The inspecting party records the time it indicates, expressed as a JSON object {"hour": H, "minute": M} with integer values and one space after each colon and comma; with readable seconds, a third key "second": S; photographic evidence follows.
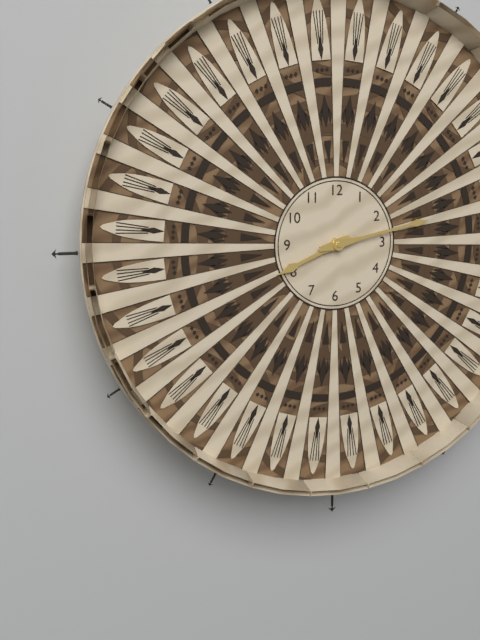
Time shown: {"hour": 8, "minute": 13}
